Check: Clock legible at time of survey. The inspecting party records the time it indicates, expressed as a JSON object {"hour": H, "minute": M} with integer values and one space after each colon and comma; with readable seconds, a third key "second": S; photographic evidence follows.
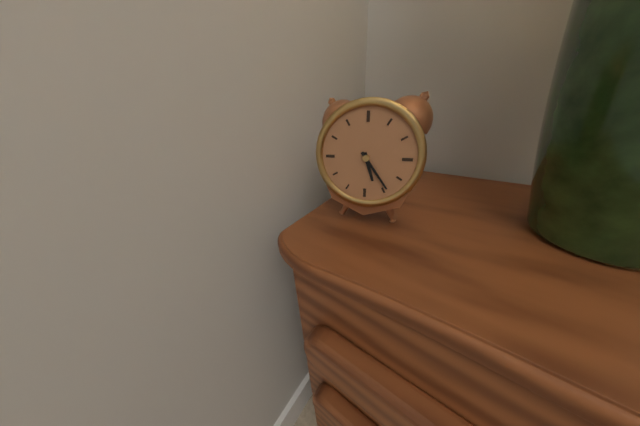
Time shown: {"hour": 5, "minute": 24}
